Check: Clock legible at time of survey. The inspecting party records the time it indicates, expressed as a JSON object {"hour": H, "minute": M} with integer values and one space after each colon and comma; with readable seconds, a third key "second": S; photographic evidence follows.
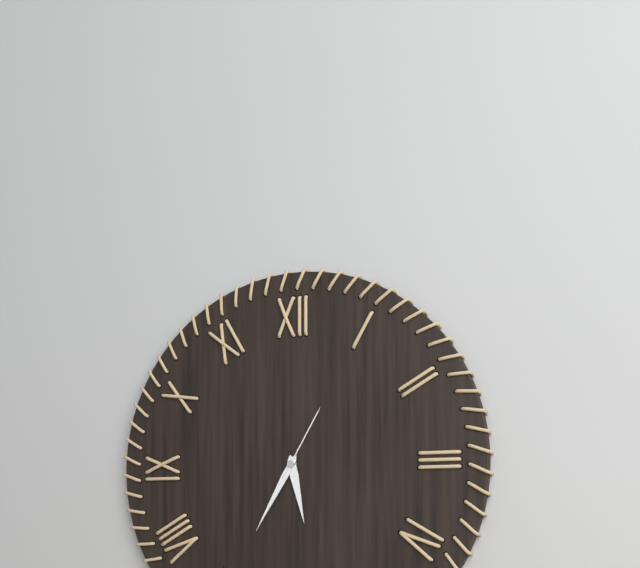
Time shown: {"hour": 5, "minute": 35, "second": 5}
